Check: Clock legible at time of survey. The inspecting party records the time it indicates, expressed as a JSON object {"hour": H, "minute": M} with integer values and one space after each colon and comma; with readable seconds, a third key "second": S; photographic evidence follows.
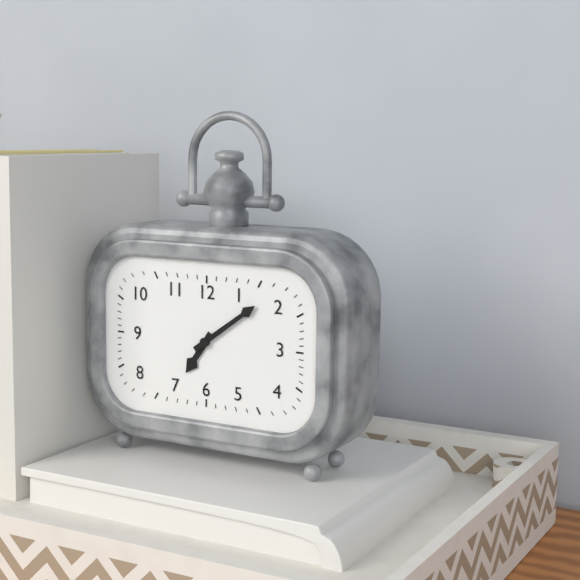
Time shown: {"hour": 7, "minute": 9}
